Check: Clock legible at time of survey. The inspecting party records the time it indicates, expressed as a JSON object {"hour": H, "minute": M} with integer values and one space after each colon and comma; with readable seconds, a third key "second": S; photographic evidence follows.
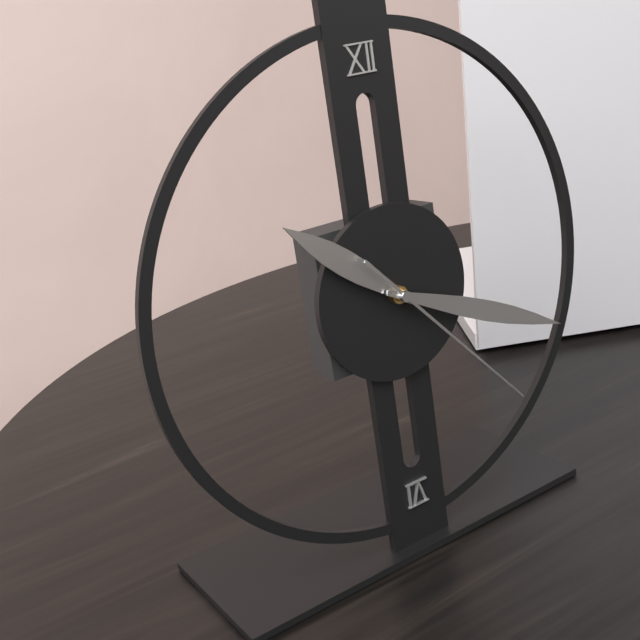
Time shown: {"hour": 10, "minute": 19, "second": 23}
